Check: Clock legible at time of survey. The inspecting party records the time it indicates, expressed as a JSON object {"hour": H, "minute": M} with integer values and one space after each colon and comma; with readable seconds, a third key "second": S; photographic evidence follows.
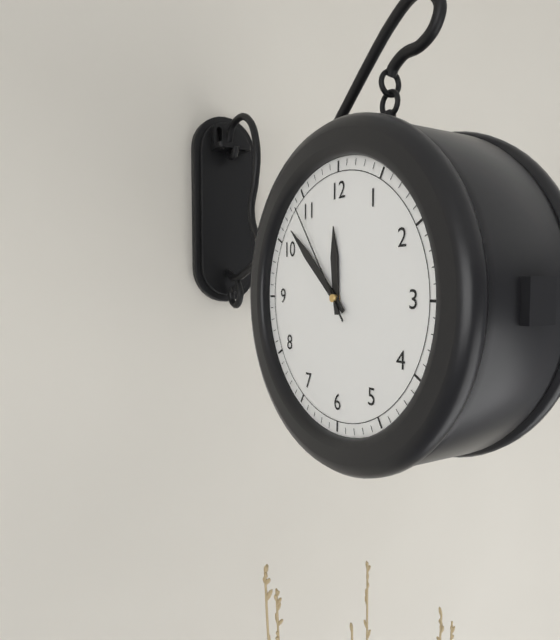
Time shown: {"hour": 11, "minute": 52, "second": 54}
